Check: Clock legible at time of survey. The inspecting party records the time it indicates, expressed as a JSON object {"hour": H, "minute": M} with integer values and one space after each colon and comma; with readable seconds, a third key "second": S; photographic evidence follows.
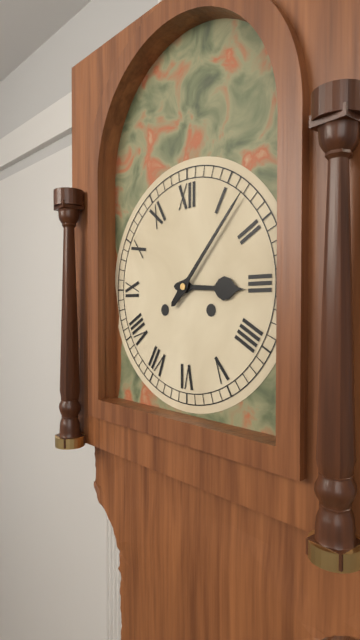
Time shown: {"hour": 3, "minute": 7}
